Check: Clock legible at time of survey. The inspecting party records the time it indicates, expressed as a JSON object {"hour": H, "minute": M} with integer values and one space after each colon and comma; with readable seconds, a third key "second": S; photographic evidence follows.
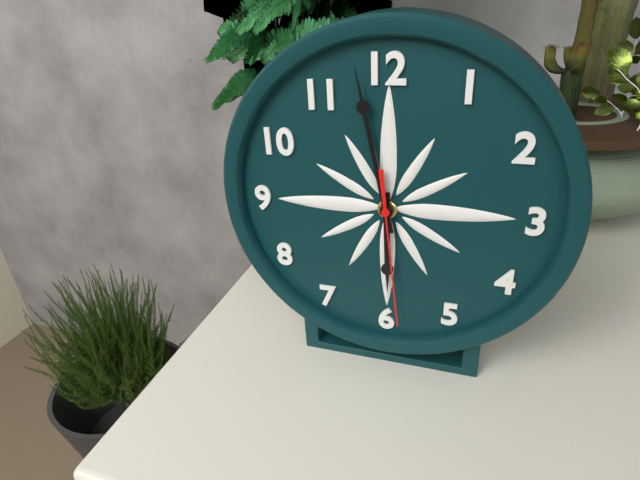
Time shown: {"hour": 5, "minute": 58, "second": 29}
